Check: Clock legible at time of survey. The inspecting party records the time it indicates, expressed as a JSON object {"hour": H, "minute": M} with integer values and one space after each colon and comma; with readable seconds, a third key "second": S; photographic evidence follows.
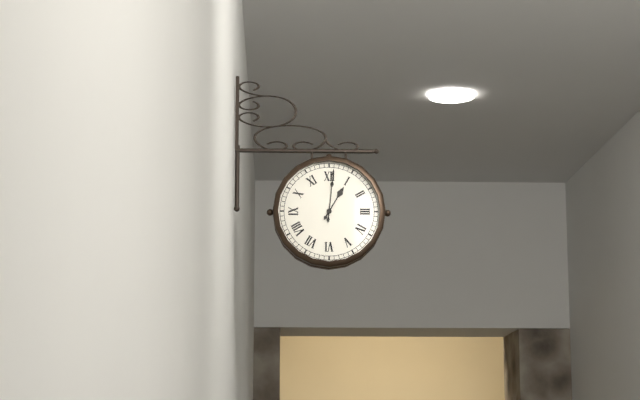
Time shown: {"hour": 1, "minute": 1}
